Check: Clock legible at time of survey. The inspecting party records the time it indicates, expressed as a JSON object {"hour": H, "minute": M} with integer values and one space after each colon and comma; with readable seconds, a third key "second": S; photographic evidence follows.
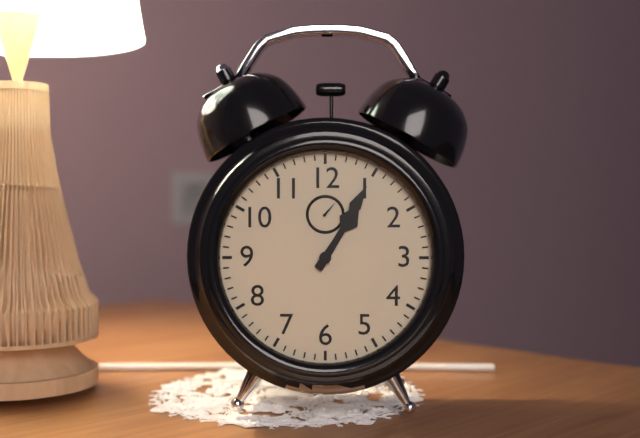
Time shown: {"hour": 1, "minute": 5}
